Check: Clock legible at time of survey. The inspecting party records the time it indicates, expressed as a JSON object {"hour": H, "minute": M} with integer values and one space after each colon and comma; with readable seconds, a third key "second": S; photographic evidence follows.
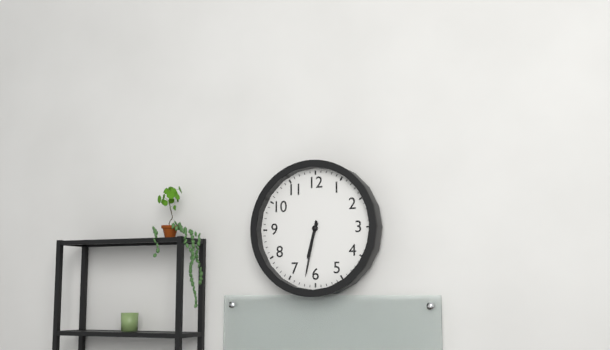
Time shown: {"hour": 6, "minute": 32}
